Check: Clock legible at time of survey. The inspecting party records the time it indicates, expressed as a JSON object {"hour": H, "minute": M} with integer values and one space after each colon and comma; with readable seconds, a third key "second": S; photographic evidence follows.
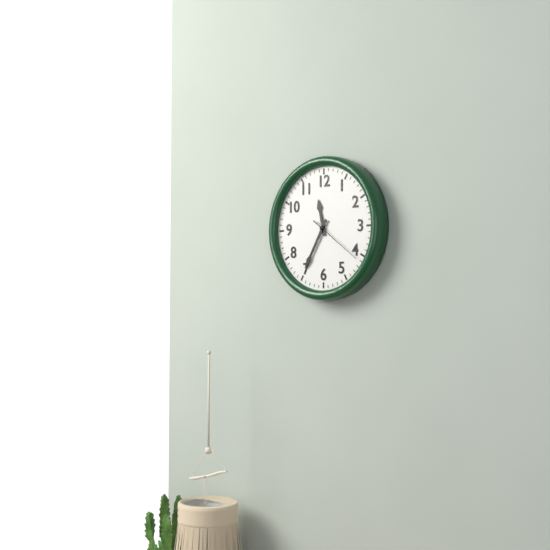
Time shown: {"hour": 11, "minute": 35}
